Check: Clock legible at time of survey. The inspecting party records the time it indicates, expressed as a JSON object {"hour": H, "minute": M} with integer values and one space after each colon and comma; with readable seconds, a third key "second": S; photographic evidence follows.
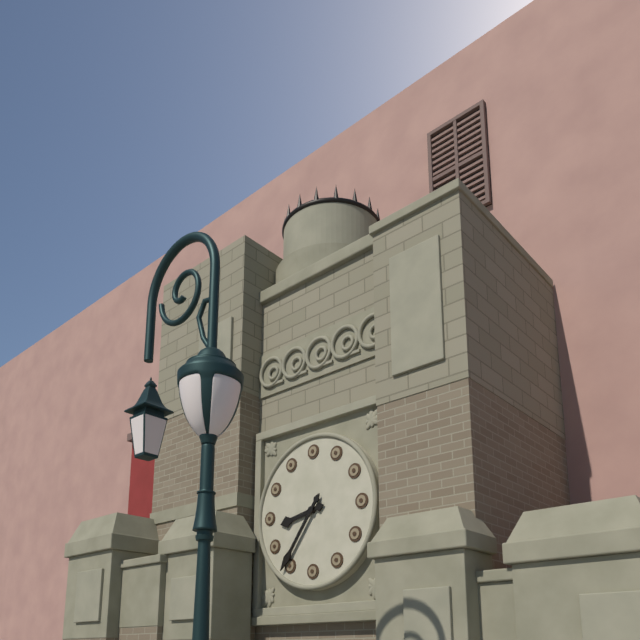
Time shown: {"hour": 8, "minute": 36}
